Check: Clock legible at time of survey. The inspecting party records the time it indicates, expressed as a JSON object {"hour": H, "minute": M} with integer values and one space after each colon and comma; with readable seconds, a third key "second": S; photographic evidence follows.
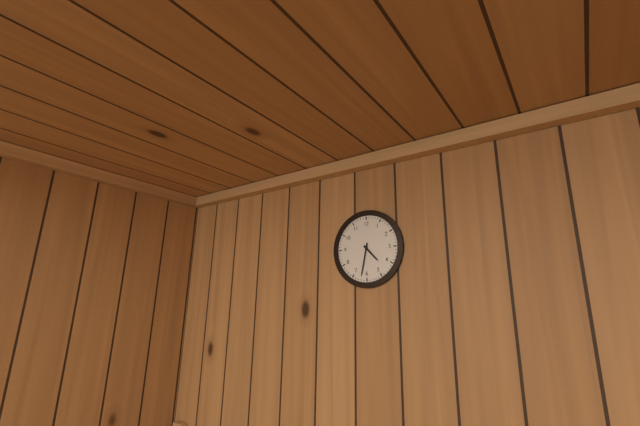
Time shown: {"hour": 4, "minute": 32}
